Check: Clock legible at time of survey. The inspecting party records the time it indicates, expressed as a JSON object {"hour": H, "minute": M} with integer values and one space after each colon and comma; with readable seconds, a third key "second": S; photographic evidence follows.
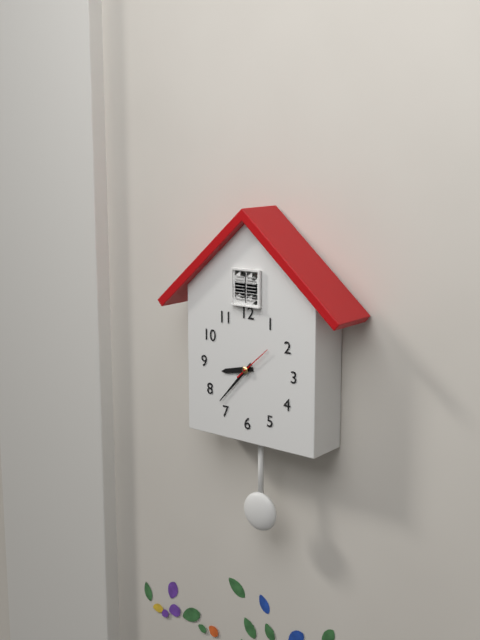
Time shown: {"hour": 8, "minute": 37}
